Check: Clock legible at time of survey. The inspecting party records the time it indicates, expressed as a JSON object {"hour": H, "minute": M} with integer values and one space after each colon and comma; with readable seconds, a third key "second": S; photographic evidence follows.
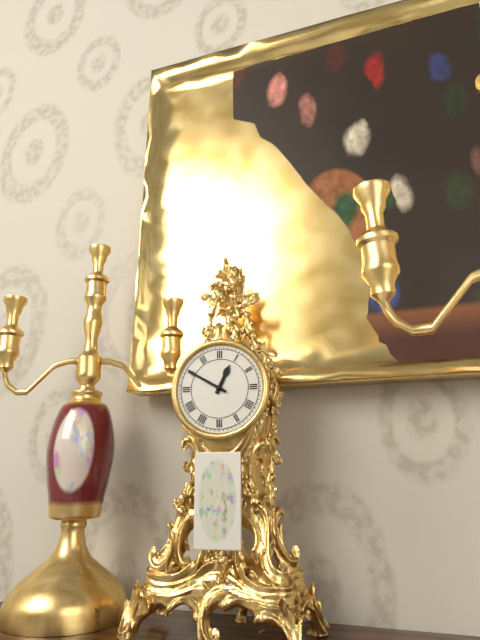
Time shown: {"hour": 12, "minute": 50}
